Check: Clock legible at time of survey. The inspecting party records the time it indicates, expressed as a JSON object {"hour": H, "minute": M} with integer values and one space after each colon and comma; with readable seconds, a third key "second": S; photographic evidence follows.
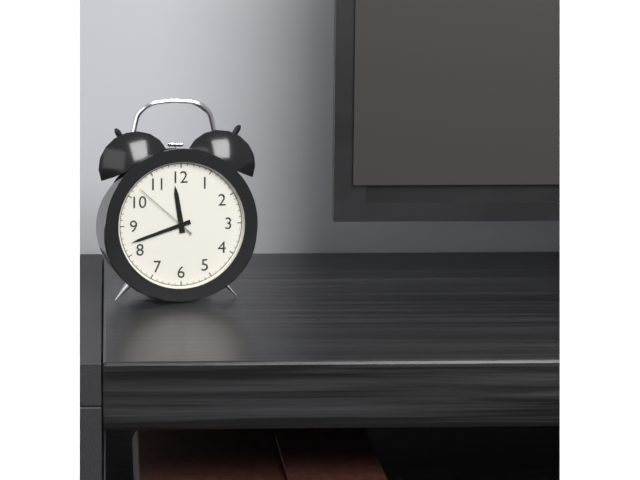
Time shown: {"hour": 11, "minute": 42, "second": 52}
